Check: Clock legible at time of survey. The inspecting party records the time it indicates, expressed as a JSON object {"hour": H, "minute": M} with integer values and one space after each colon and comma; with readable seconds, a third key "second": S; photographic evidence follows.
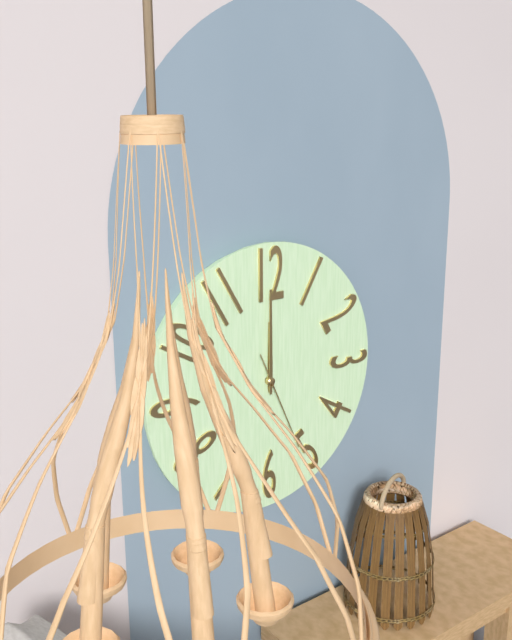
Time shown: {"hour": 12, "minute": 0, "second": 26}
